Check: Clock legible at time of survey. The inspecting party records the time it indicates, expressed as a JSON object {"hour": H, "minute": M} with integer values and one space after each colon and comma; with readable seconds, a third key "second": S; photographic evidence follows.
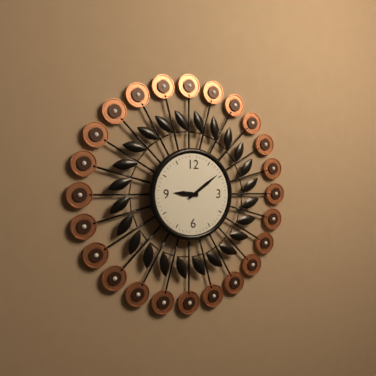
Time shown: {"hour": 9, "minute": 9}
